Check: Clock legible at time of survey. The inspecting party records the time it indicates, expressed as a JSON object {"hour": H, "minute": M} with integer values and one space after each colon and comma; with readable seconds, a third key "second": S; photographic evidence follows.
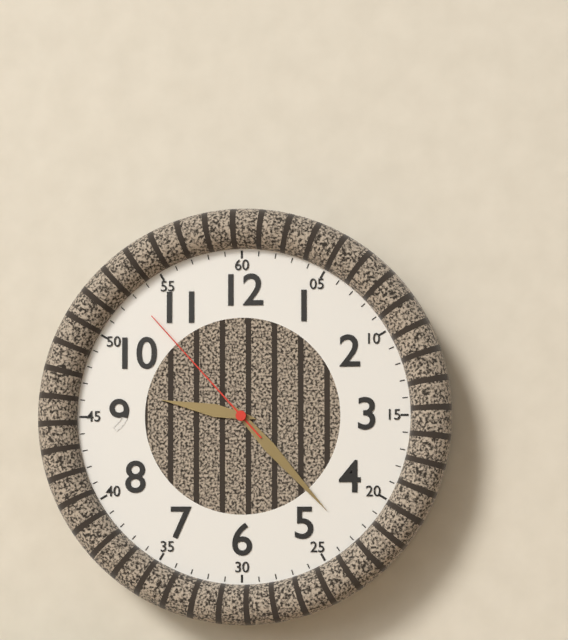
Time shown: {"hour": 9, "minute": 23, "second": 53}
